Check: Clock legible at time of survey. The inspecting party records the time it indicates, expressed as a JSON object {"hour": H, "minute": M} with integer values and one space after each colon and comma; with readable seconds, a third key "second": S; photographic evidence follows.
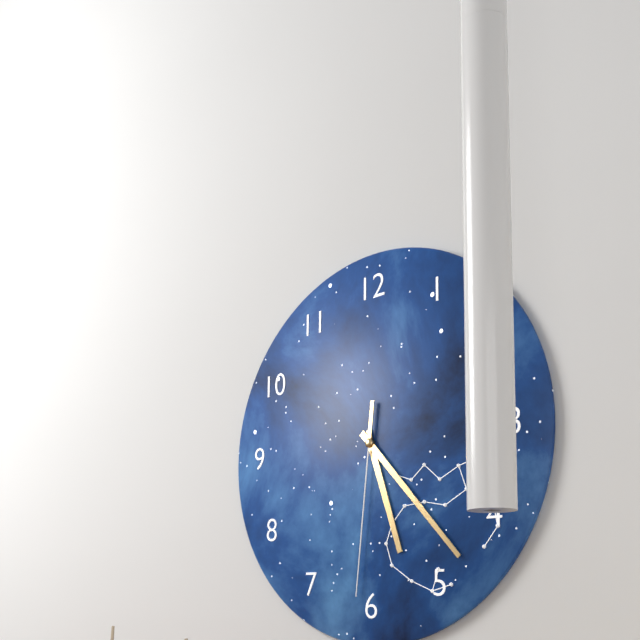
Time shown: {"hour": 5, "minute": 23, "second": 31}
